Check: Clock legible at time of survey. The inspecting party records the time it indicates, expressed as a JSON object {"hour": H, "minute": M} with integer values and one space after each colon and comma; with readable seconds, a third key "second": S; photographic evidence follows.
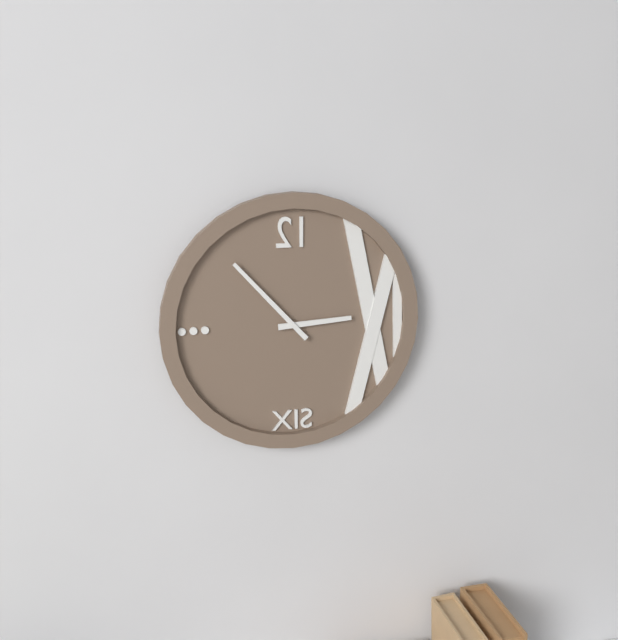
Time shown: {"hour": 2, "minute": 53}
